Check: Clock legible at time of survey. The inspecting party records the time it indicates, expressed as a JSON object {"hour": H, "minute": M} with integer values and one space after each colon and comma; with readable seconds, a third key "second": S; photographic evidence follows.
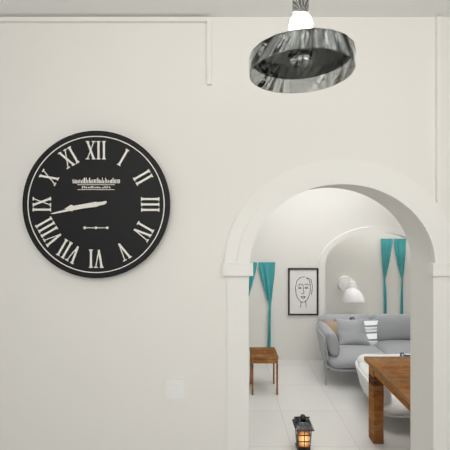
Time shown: {"hour": 8, "minute": 43}
